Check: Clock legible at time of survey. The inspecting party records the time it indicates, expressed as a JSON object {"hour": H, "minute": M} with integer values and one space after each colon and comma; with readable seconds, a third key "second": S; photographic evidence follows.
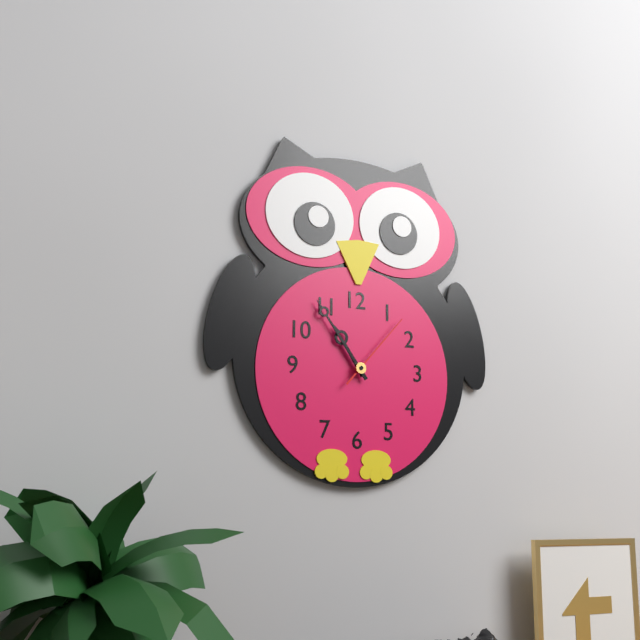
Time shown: {"hour": 10, "minute": 54, "second": 7}
